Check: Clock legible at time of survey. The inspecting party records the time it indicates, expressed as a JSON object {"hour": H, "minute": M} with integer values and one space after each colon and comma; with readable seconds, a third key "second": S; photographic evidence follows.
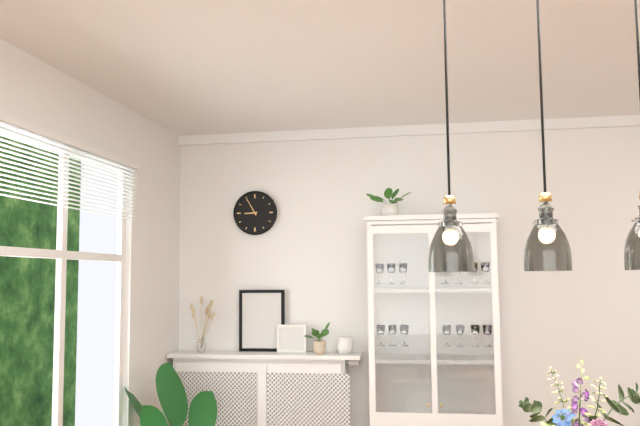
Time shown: {"hour": 8, "minute": 55}
